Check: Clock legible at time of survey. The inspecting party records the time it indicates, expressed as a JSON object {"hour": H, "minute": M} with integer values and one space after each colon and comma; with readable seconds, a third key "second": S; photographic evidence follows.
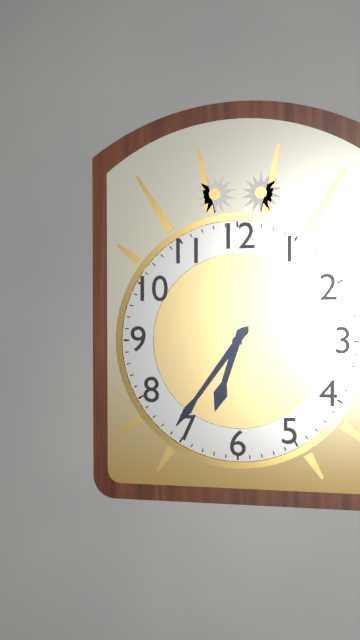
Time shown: {"hour": 6, "minute": 36}
